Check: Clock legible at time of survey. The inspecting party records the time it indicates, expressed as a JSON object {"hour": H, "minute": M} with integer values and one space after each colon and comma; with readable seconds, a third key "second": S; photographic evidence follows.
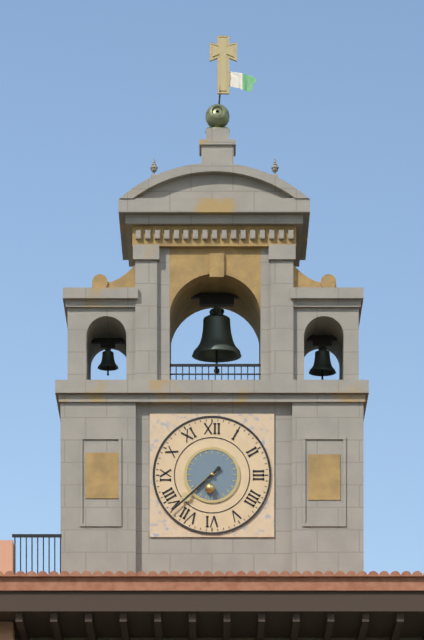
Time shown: {"hour": 7, "minute": 38}
